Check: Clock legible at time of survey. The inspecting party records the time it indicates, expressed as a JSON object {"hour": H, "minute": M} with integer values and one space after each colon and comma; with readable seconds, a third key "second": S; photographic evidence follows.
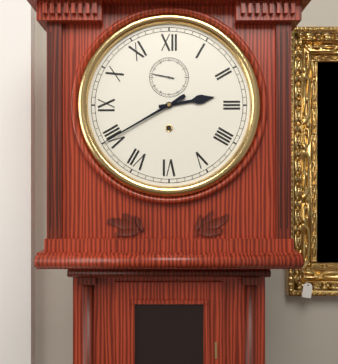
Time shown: {"hour": 2, "minute": 40}
